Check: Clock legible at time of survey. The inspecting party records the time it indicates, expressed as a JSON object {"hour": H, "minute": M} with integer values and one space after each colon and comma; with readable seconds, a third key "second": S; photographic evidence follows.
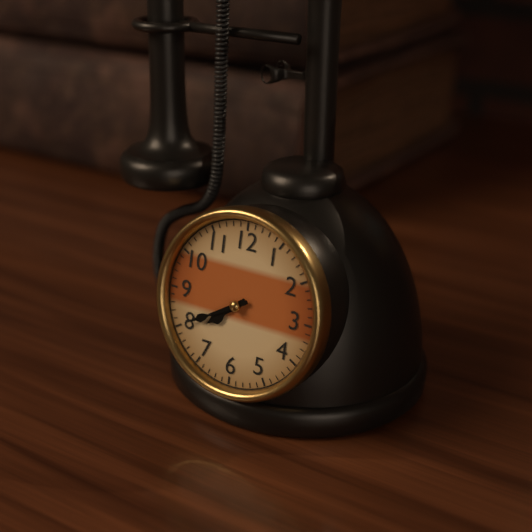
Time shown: {"hour": 7, "minute": 40}
